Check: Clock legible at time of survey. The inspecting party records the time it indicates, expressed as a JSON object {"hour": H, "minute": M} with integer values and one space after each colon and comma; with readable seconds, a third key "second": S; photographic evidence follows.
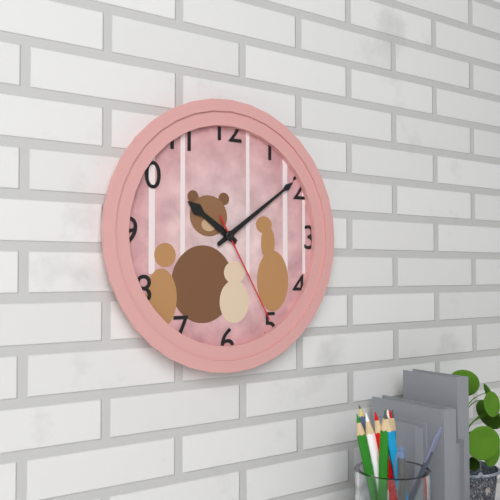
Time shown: {"hour": 10, "minute": 9, "second": 25}
